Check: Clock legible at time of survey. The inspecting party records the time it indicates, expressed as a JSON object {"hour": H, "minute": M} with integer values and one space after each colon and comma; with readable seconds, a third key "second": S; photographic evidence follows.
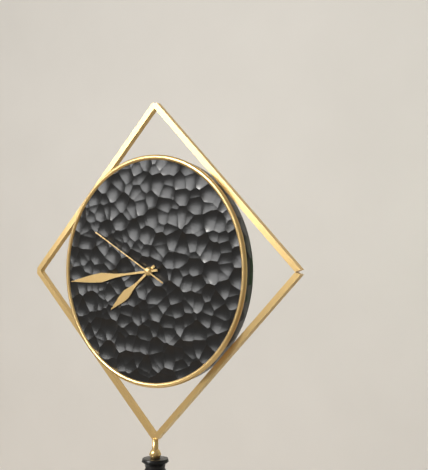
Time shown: {"hour": 7, "minute": 44, "second": 50}
